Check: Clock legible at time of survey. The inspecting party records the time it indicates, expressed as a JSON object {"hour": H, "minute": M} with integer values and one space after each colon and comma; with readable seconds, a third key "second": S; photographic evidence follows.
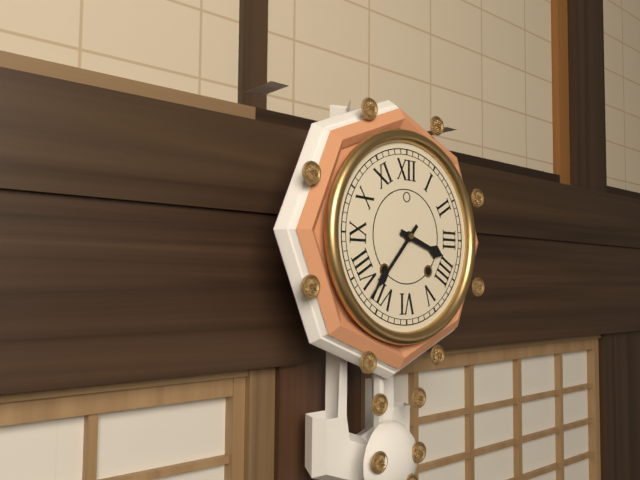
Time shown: {"hour": 3, "minute": 37}
